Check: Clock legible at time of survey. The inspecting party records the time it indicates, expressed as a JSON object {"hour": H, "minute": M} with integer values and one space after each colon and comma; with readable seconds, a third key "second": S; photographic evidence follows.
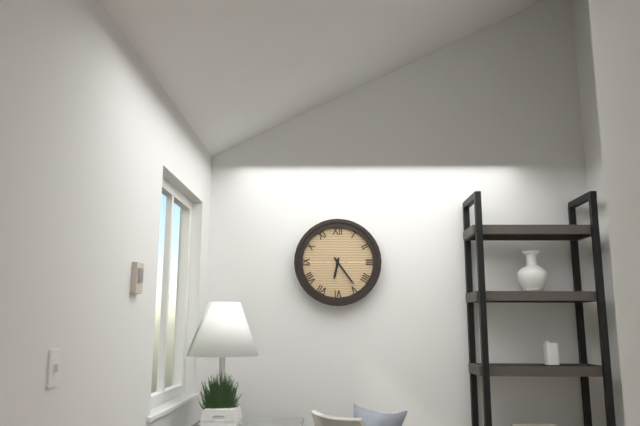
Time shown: {"hour": 6, "minute": 24}
